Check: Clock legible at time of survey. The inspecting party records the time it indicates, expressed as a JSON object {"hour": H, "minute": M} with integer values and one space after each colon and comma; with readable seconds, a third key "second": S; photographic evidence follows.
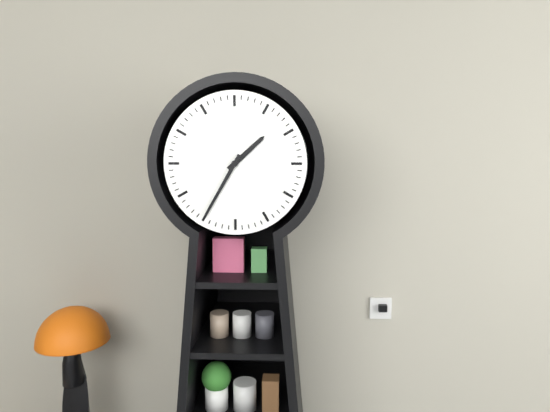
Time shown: {"hour": 1, "minute": 35}
